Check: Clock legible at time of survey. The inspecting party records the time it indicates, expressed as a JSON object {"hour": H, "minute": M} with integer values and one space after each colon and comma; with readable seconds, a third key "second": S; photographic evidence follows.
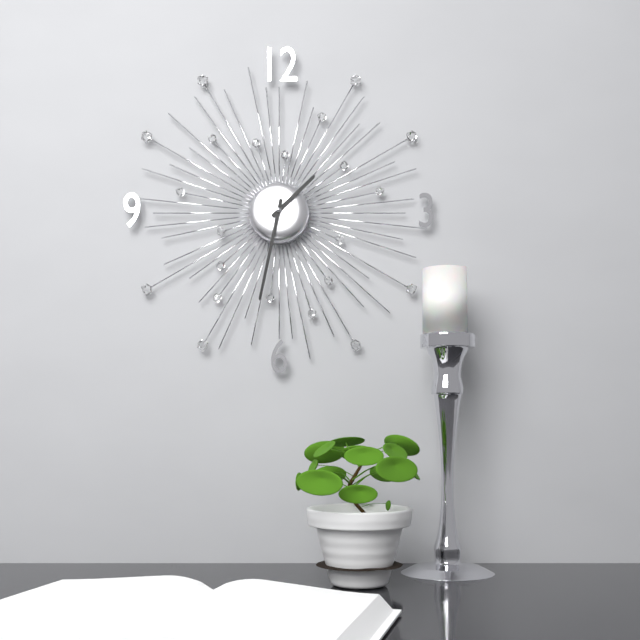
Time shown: {"hour": 1, "minute": 32}
